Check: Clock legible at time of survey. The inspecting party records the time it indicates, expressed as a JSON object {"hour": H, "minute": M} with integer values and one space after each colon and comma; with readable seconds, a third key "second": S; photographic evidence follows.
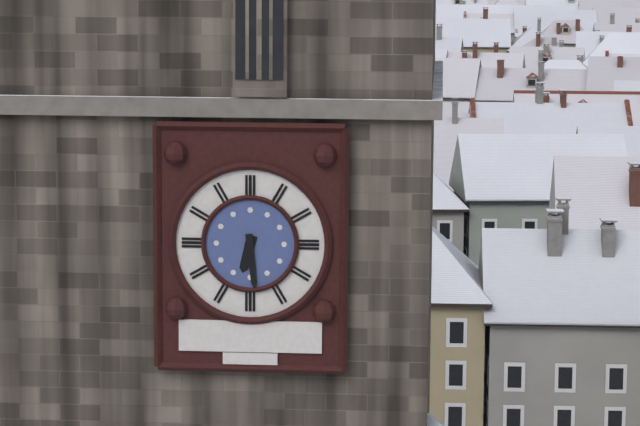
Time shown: {"hour": 6, "minute": 29}
